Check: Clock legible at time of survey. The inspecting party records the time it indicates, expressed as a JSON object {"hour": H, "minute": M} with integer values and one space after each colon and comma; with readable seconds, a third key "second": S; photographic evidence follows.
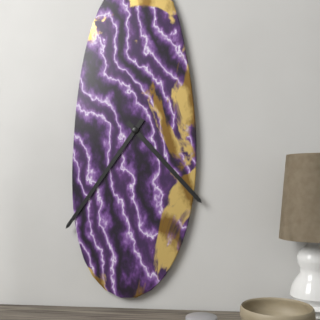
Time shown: {"hour": 4, "minute": 36}
